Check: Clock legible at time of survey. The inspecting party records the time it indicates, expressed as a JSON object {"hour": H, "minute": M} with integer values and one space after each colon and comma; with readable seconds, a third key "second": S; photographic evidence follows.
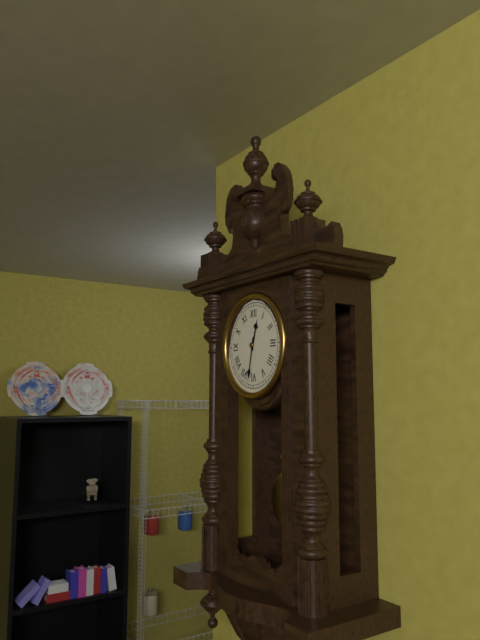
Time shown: {"hour": 12, "minute": 32}
